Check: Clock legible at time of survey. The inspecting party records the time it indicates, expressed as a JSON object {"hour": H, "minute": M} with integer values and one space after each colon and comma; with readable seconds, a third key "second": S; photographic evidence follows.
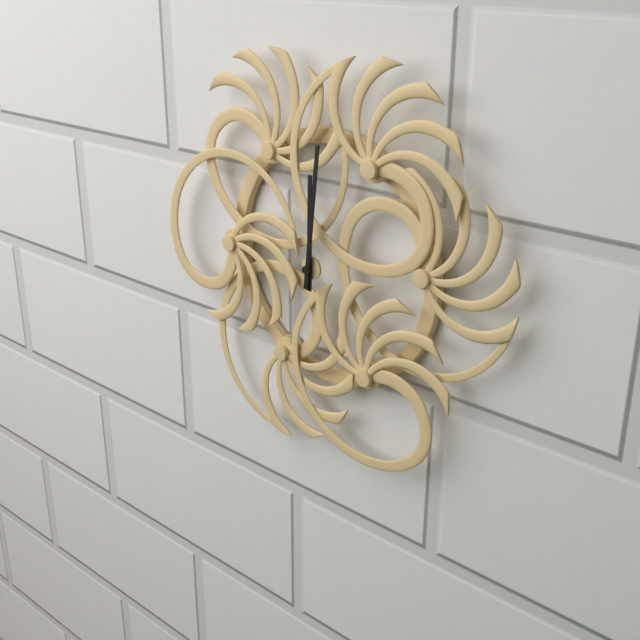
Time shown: {"hour": 12, "minute": 1}
